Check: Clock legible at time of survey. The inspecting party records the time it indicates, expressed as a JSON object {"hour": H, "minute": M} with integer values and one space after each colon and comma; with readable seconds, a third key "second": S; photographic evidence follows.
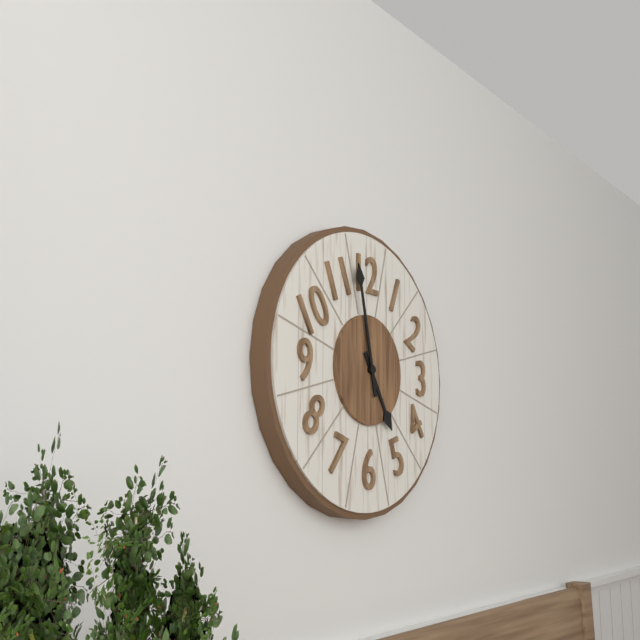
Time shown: {"hour": 4, "minute": 58}
